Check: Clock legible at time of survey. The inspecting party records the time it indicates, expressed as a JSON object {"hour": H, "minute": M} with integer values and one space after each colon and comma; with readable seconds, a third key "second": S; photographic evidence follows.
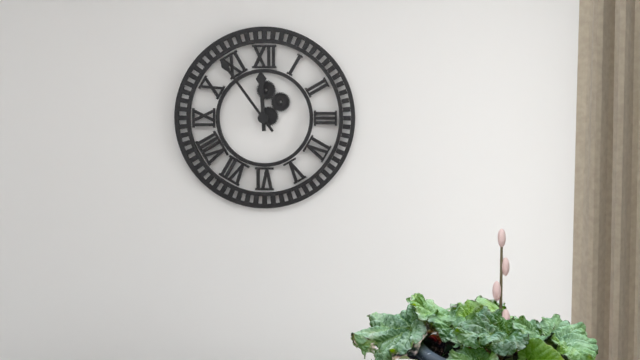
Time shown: {"hour": 11, "minute": 54}
